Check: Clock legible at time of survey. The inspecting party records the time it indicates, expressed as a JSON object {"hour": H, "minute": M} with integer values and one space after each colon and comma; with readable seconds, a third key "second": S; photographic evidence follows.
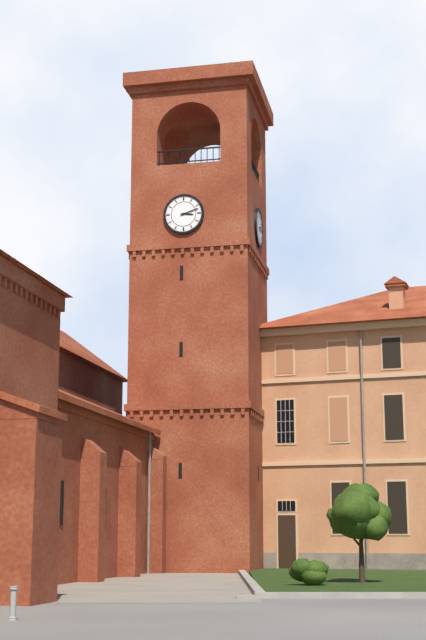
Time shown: {"hour": 3, "minute": 12}
